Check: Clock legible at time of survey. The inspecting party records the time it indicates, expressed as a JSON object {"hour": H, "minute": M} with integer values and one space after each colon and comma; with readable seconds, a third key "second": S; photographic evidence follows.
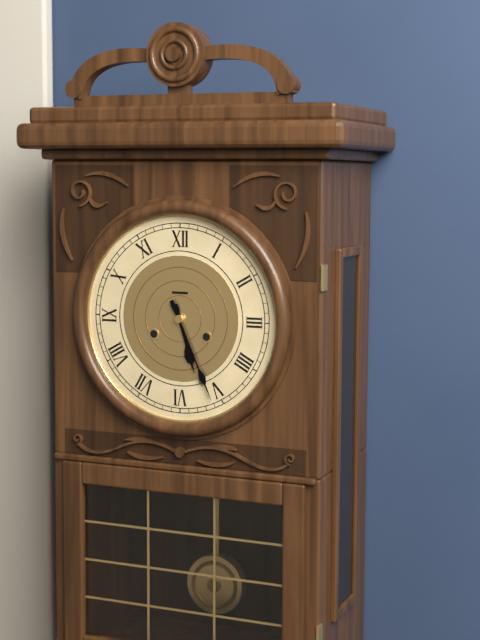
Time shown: {"hour": 5, "minute": 26}
